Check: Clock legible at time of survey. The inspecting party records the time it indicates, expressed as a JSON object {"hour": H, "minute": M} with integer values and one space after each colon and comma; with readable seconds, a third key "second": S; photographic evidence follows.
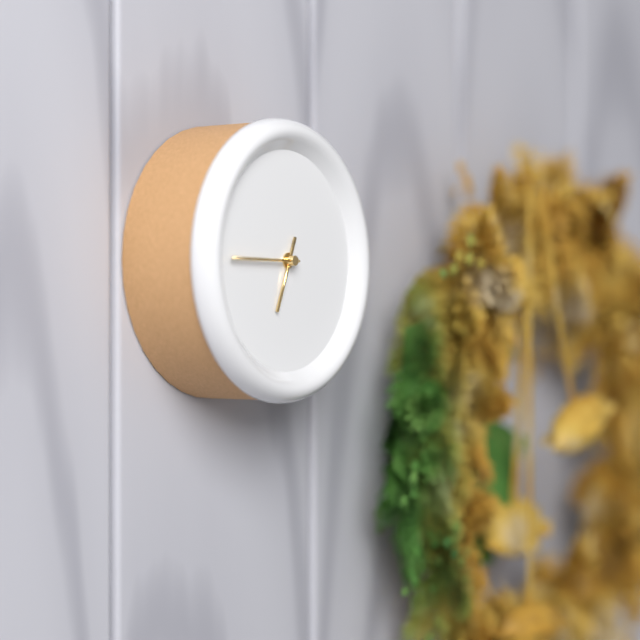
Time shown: {"hour": 6, "minute": 45}
